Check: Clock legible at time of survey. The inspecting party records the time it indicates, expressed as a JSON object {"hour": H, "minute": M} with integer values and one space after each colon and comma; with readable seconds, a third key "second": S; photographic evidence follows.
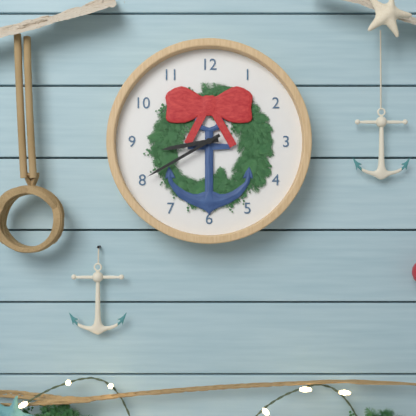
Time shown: {"hour": 8, "minute": 40}
